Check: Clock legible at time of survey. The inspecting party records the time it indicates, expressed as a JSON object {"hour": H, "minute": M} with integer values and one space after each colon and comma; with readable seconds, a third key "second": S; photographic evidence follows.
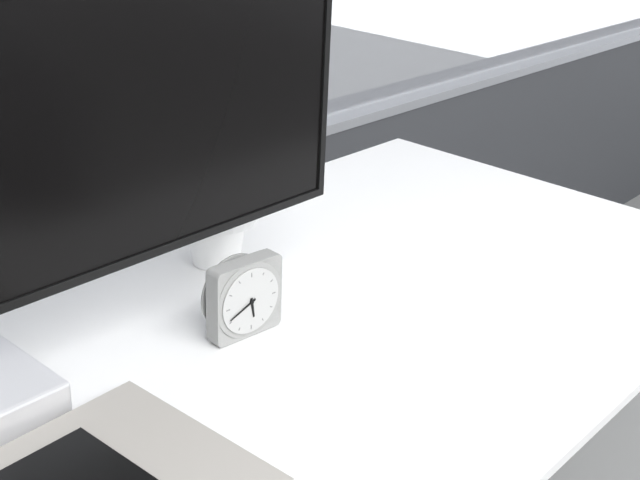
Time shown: {"hour": 5, "minute": 41}
